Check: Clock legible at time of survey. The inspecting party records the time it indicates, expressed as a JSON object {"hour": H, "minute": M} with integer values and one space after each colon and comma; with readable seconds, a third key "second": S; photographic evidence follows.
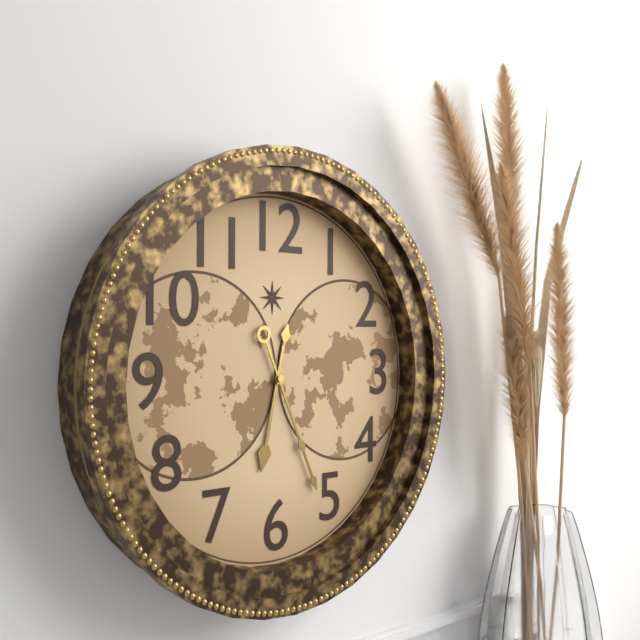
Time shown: {"hour": 6, "minute": 26}
